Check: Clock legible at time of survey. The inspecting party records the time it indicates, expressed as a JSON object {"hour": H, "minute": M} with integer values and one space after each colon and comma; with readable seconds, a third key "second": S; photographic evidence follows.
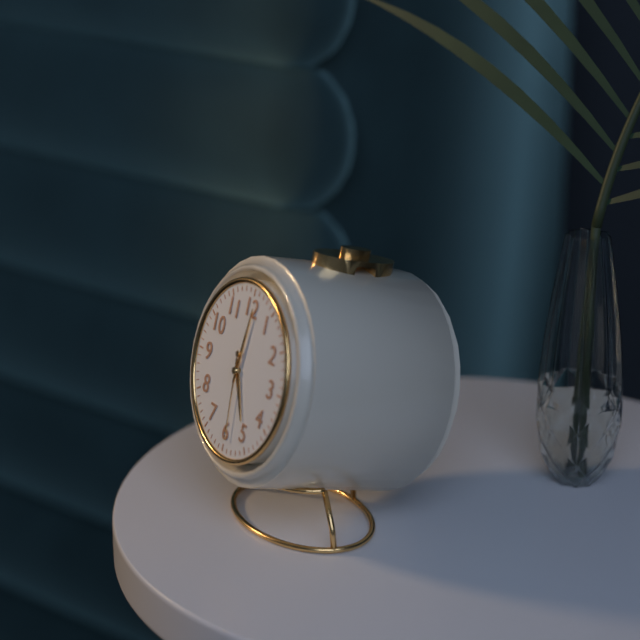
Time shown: {"hour": 5, "minute": 1, "second": 29}
